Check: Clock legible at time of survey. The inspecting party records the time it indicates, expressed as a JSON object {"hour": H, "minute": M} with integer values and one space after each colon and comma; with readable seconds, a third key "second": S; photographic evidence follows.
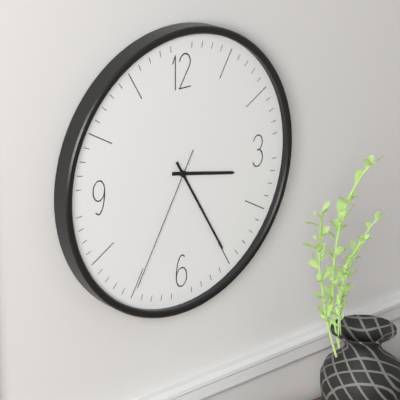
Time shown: {"hour": 3, "minute": 25, "second": 35}
